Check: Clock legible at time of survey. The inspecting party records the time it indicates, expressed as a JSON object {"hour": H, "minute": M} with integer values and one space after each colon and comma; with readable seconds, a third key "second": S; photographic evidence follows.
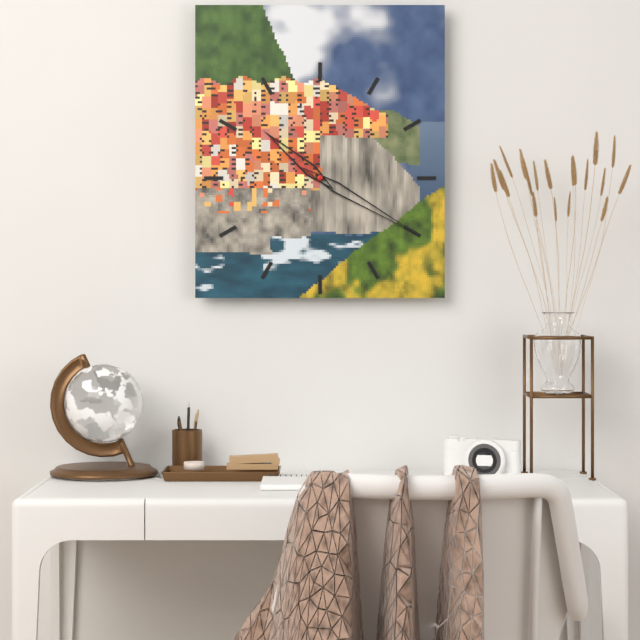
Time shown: {"hour": 10, "minute": 20}
